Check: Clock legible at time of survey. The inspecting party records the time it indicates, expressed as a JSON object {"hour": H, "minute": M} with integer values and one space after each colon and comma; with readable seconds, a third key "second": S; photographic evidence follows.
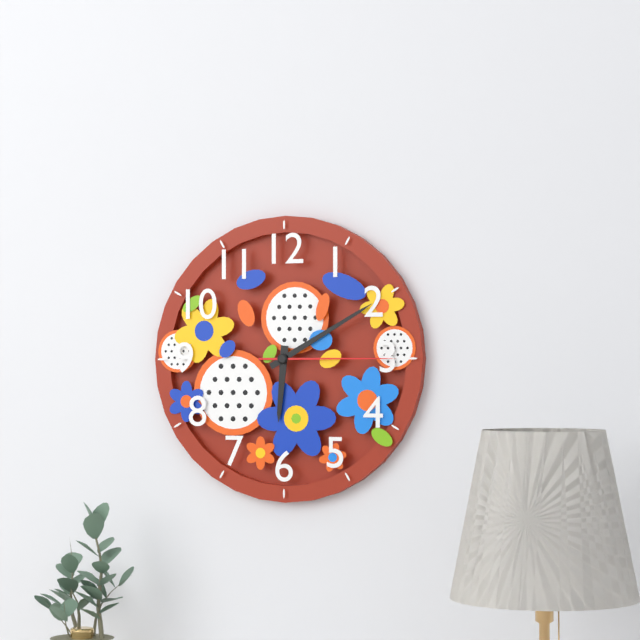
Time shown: {"hour": 6, "minute": 10, "second": 15}
